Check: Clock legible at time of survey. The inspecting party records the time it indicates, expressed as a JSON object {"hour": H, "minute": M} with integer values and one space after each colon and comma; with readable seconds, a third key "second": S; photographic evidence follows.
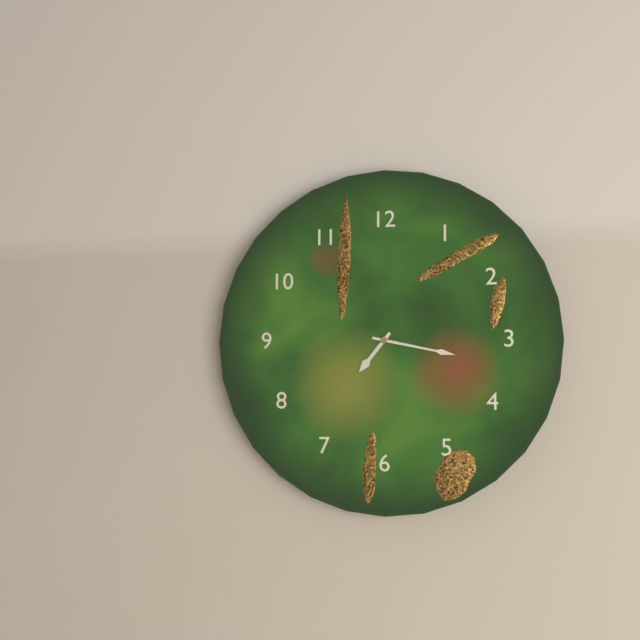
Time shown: {"hour": 7, "minute": 17}
